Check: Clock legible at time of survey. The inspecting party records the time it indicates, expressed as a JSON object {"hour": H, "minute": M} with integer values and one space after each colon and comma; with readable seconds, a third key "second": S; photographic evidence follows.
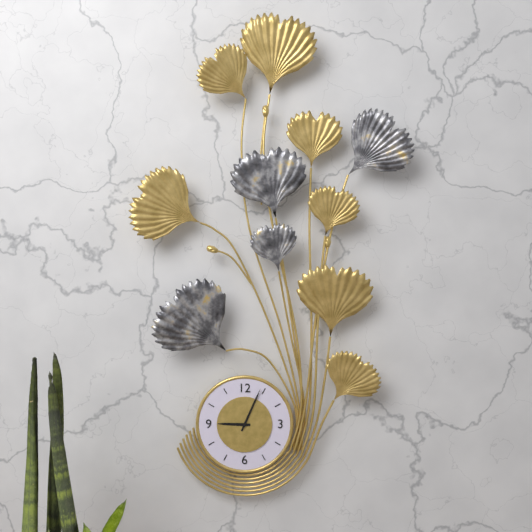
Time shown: {"hour": 9, "minute": 4}
